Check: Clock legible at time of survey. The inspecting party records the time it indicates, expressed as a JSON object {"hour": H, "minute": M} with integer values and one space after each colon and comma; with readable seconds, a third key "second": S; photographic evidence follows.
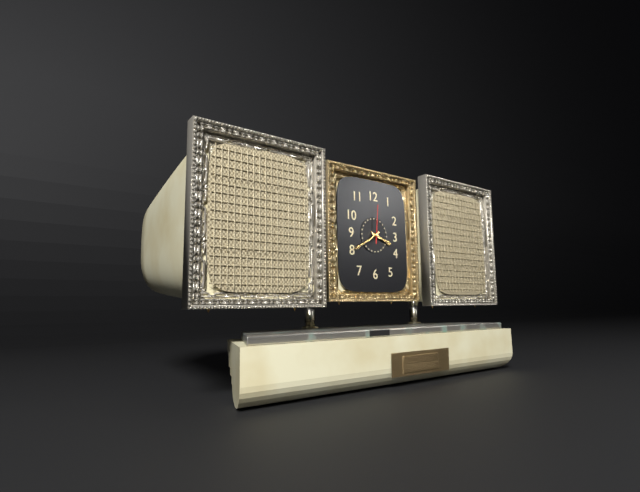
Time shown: {"hour": 3, "minute": 40}
